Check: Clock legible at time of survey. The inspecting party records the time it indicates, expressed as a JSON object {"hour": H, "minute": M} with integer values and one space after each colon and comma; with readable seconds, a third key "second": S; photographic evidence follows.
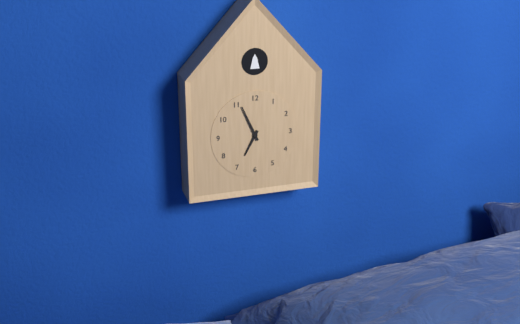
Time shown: {"hour": 6, "minute": 56}
